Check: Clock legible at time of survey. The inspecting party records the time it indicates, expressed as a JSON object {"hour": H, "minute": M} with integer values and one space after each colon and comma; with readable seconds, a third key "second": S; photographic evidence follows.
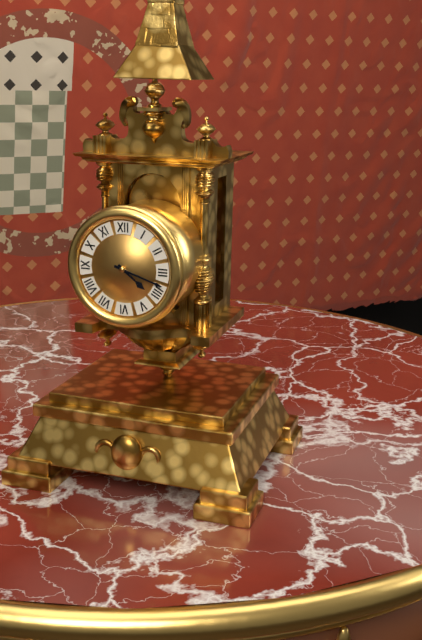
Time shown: {"hour": 4, "minute": 18}
